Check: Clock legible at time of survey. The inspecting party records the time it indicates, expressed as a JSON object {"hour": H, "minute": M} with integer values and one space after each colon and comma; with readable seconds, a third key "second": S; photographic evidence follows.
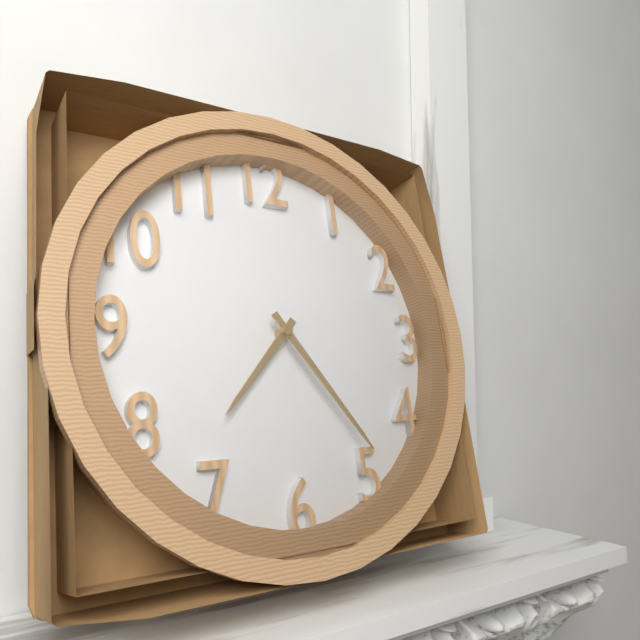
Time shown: {"hour": 7, "minute": 24}
